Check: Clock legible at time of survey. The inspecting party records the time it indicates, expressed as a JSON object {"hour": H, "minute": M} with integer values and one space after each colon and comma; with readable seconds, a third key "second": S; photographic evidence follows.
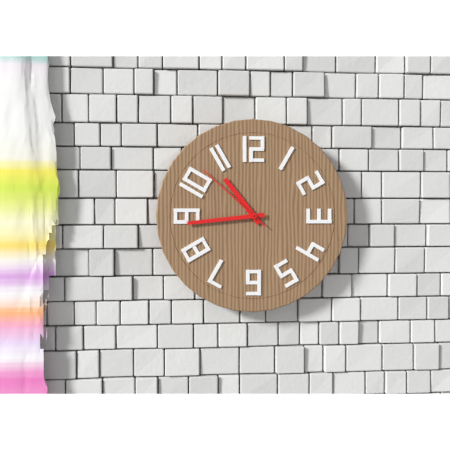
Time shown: {"hour": 10, "minute": 44, "second": 52}
